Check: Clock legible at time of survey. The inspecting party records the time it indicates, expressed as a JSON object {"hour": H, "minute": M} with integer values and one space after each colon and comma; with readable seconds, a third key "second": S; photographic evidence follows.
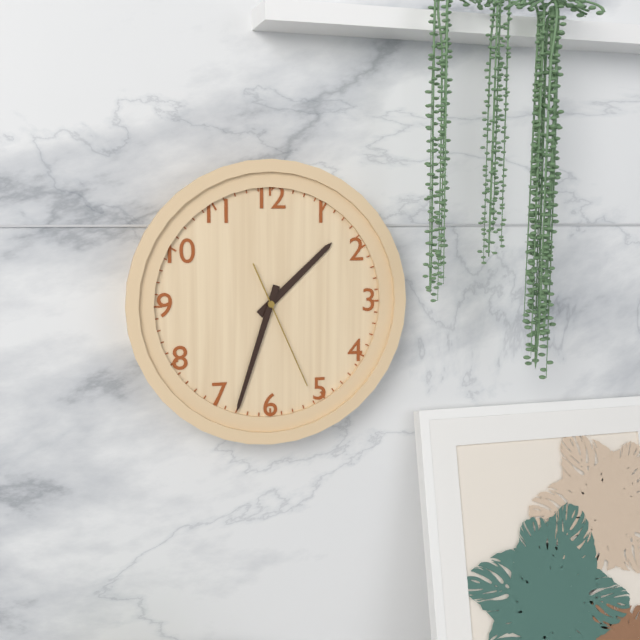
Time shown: {"hour": 1, "minute": 33, "second": 26}
